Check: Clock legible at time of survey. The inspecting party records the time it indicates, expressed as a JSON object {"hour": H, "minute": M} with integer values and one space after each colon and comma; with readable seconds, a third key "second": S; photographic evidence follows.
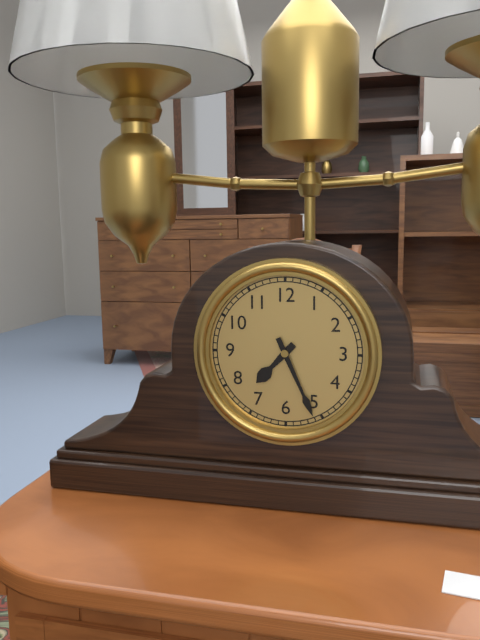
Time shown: {"hour": 7, "minute": 26}
